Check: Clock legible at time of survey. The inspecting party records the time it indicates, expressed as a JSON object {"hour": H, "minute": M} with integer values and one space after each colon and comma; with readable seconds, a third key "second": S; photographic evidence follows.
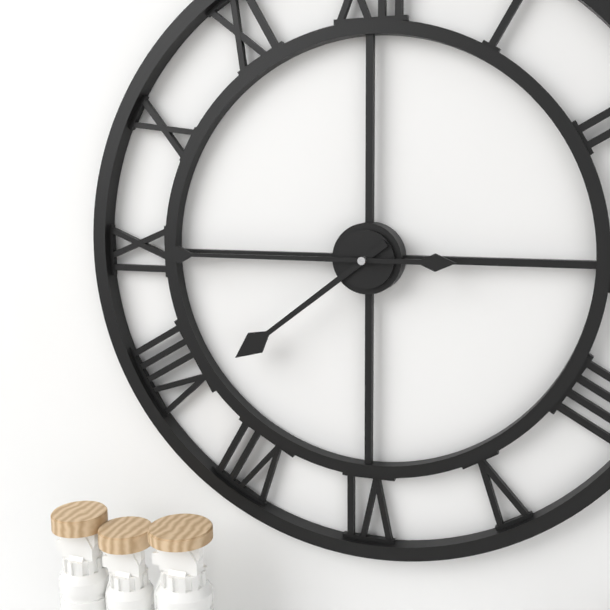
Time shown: {"hour": 7, "minute": 45}
